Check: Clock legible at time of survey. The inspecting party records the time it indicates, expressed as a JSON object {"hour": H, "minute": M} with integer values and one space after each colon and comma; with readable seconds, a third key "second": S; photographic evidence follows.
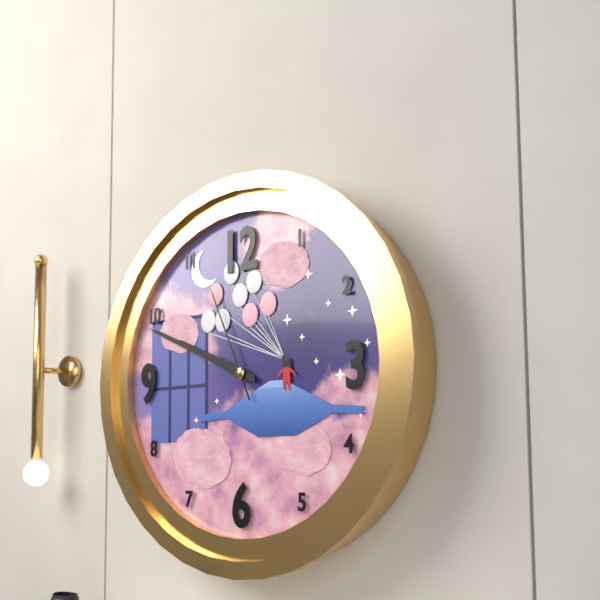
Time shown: {"hour": 9, "minute": 49, "second": 56}
